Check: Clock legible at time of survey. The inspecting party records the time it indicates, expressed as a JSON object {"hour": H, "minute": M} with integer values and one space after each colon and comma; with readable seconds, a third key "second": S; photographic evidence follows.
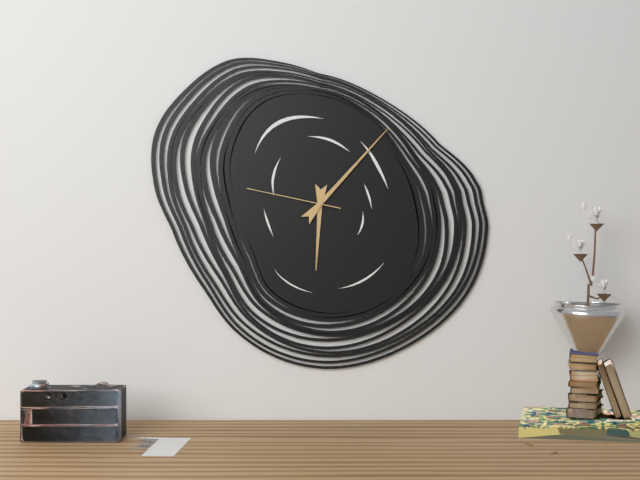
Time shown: {"hour": 6, "minute": 7, "second": 47}
